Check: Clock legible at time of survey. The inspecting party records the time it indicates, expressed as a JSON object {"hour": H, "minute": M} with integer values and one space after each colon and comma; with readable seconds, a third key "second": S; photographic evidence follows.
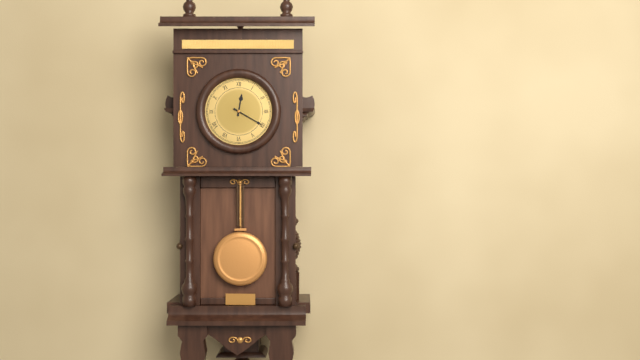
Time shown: {"hour": 12, "minute": 20}
